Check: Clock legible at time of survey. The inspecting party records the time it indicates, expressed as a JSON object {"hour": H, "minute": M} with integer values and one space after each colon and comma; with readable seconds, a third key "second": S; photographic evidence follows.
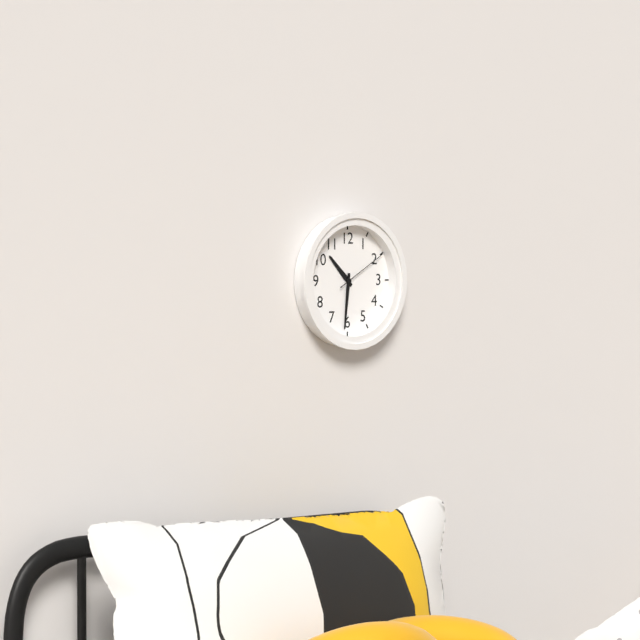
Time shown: {"hour": 10, "minute": 31, "second": 10}
